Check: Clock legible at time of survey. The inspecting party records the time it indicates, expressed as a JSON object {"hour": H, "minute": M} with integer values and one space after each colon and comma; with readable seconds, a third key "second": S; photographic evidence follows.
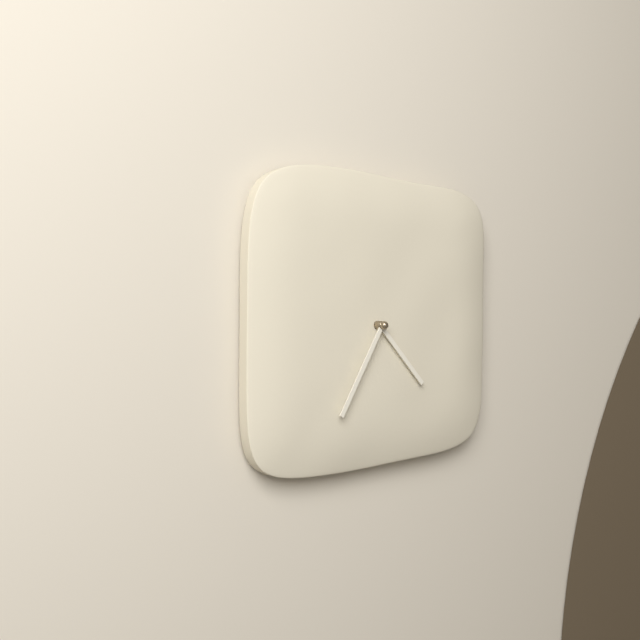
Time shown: {"hour": 4, "minute": 35}
